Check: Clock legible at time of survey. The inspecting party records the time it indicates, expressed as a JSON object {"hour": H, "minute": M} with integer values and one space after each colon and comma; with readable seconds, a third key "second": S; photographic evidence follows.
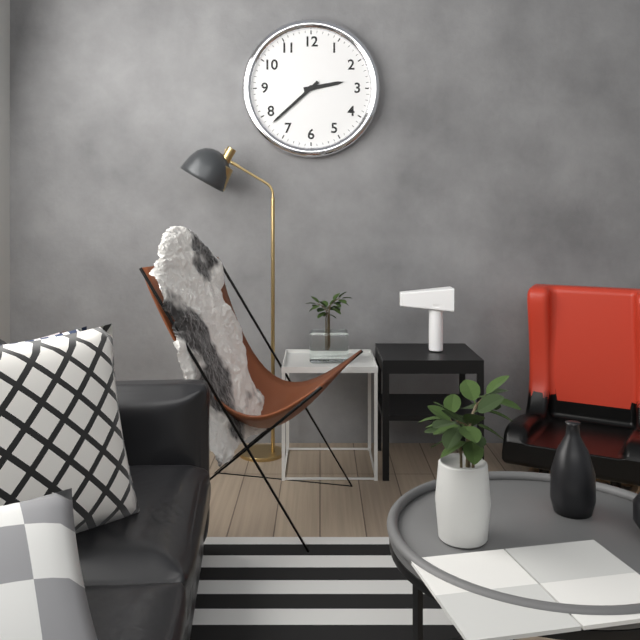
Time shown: {"hour": 2, "minute": 38}
